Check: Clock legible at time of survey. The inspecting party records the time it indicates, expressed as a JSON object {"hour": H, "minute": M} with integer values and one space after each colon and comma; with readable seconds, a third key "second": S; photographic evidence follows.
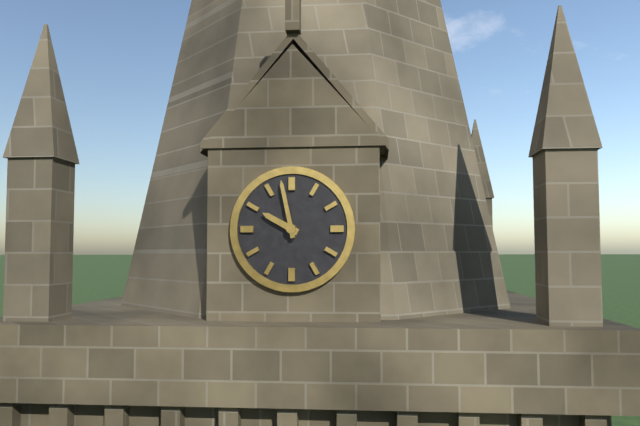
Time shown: {"hour": 9, "minute": 58}
